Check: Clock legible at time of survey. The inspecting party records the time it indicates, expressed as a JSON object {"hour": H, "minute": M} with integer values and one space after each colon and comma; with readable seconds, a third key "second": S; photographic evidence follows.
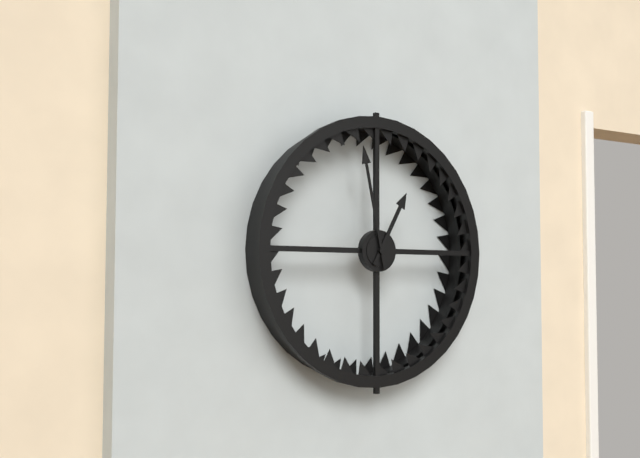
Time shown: {"hour": 12, "minute": 58}
